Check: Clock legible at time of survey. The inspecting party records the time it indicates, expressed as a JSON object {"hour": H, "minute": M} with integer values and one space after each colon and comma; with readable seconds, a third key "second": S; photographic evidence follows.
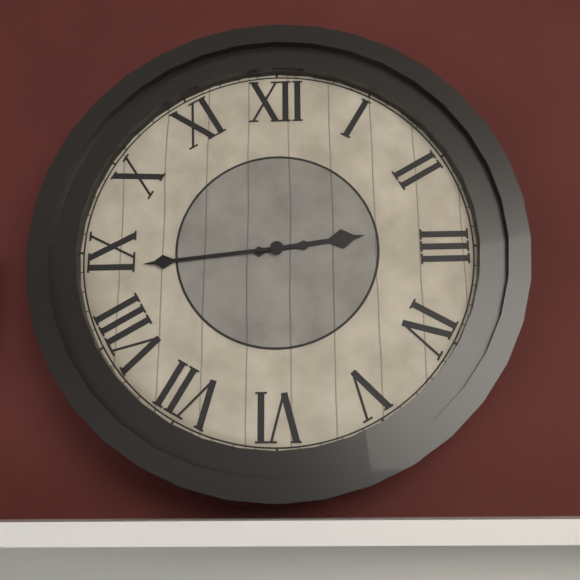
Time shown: {"hour": 2, "minute": 44}
